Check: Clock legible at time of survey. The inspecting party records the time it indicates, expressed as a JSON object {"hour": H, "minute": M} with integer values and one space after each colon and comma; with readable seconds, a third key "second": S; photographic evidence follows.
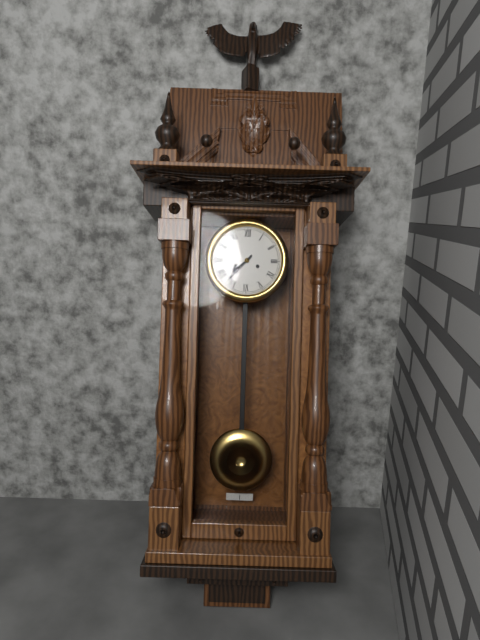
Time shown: {"hour": 7, "minute": 37}
